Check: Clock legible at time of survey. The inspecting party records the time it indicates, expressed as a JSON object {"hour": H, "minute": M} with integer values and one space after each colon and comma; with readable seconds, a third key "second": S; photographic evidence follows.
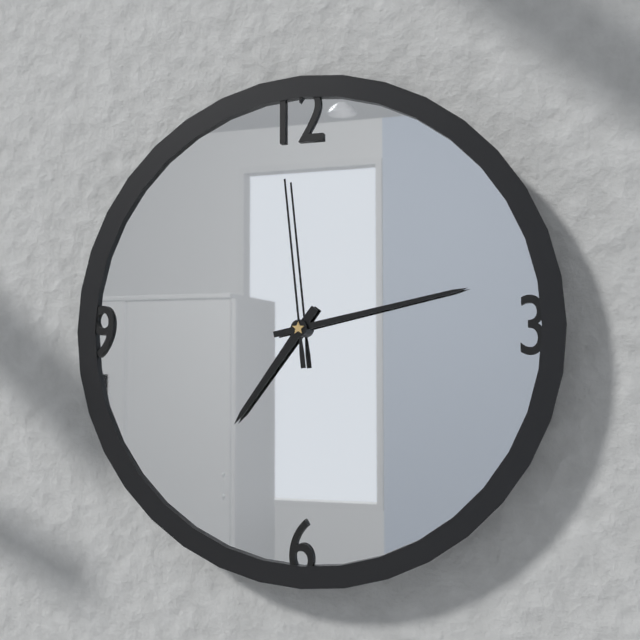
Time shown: {"hour": 7, "minute": 13, "second": 59}
